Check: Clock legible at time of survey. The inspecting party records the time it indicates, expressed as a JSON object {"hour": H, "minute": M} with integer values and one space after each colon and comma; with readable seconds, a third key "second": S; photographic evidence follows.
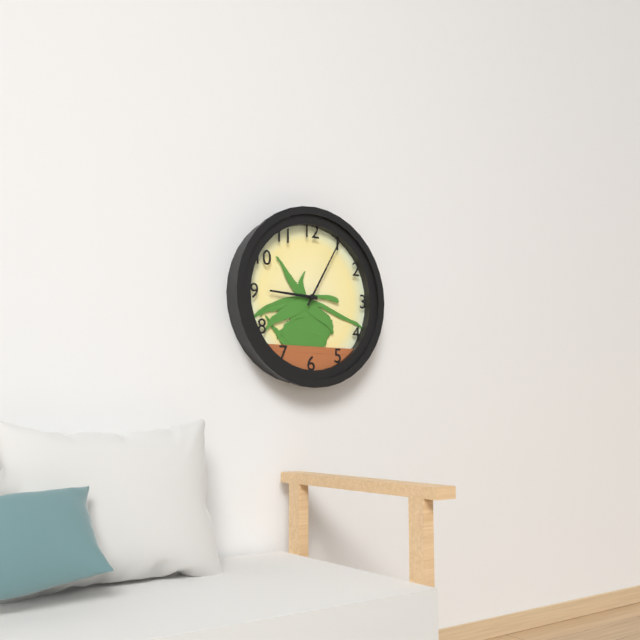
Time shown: {"hour": 9, "minute": 5}
